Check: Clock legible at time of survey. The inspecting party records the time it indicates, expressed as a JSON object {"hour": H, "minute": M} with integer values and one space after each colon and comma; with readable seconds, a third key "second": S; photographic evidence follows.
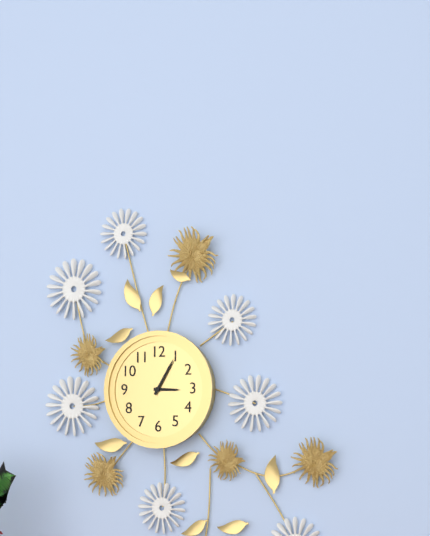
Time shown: {"hour": 3, "minute": 5}
